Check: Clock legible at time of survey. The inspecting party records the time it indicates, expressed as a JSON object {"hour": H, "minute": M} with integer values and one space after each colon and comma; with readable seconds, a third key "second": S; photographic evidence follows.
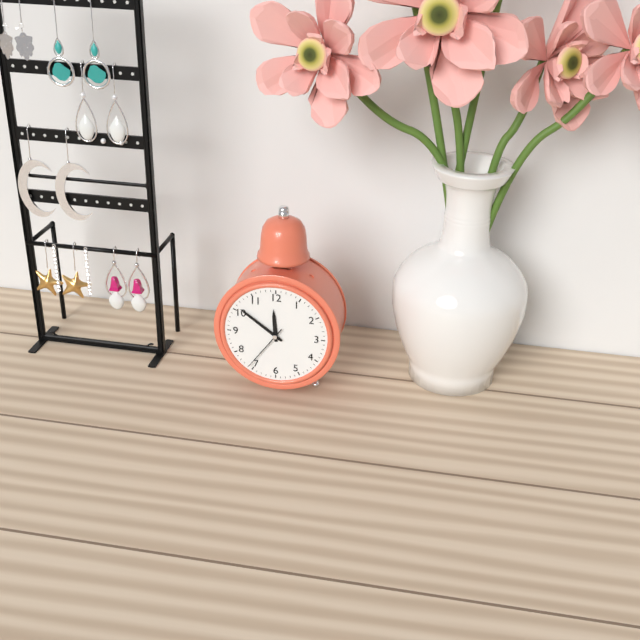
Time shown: {"hour": 11, "minute": 51}
